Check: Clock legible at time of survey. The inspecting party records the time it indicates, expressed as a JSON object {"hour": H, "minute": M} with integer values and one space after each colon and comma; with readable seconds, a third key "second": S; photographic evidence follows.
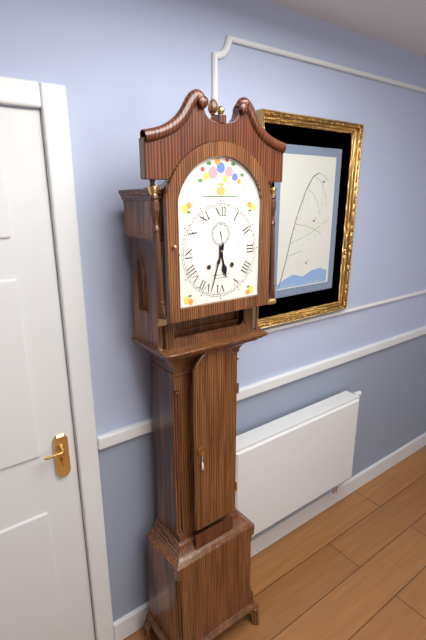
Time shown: {"hour": 5, "minute": 33}
